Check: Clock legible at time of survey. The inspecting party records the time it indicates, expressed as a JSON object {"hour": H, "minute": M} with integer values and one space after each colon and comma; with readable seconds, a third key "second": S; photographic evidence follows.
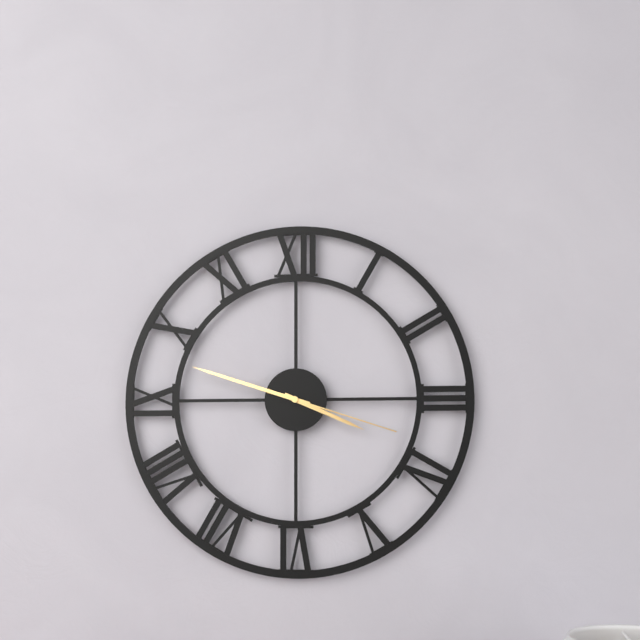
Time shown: {"hour": 3, "minute": 48, "second": 18}
